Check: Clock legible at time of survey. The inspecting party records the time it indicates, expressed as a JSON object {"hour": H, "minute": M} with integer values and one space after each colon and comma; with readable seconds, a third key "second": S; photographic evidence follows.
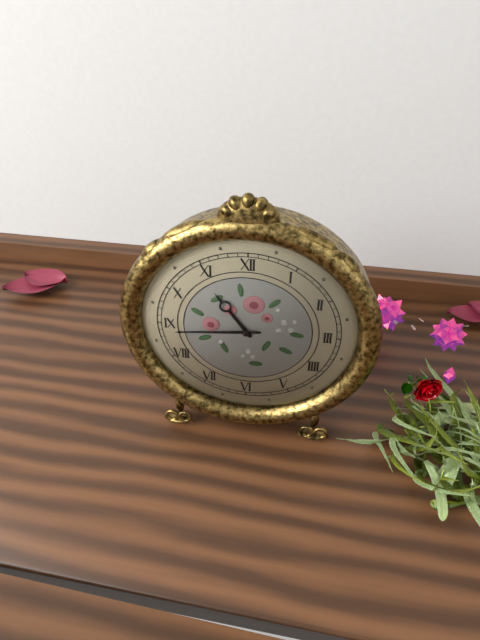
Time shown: {"hour": 10, "minute": 44}
